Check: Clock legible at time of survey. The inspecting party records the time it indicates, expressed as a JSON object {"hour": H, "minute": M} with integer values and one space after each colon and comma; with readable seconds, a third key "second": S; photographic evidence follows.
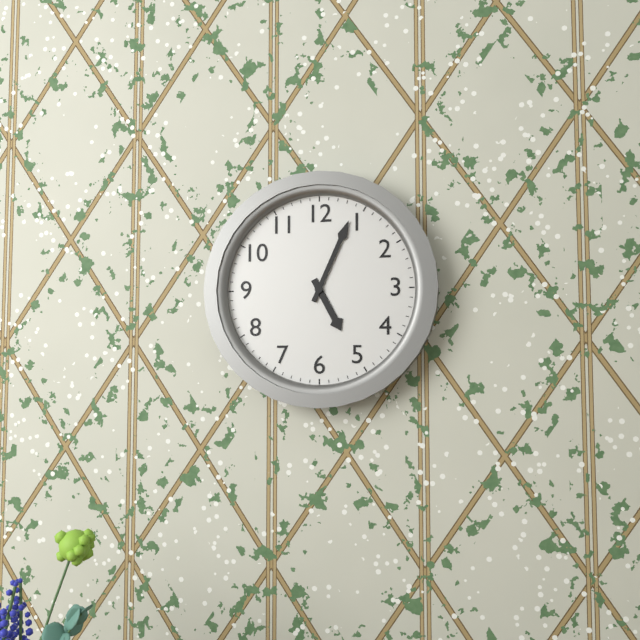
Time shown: {"hour": 5, "minute": 4}
